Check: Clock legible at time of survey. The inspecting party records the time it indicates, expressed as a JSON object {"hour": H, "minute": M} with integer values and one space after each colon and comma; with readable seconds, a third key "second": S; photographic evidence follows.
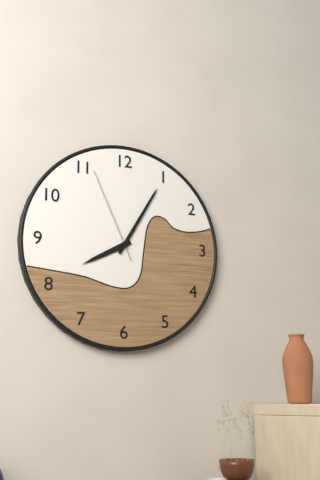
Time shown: {"hour": 8, "minute": 5, "second": 56}
